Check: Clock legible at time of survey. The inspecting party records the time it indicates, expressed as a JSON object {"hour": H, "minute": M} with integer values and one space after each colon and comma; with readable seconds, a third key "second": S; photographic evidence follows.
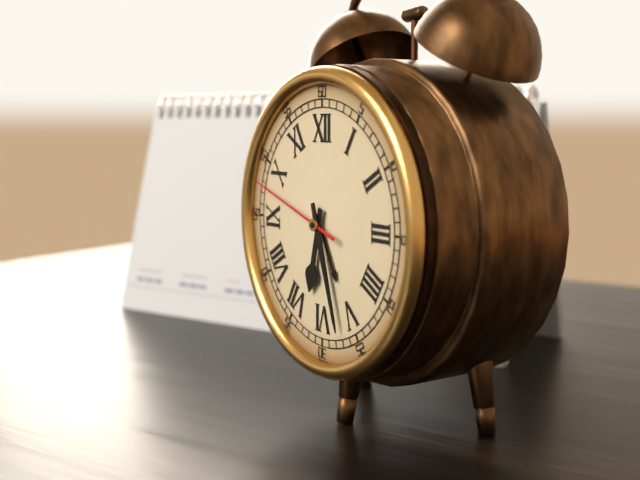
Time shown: {"hour": 6, "minute": 27, "second": 48}
